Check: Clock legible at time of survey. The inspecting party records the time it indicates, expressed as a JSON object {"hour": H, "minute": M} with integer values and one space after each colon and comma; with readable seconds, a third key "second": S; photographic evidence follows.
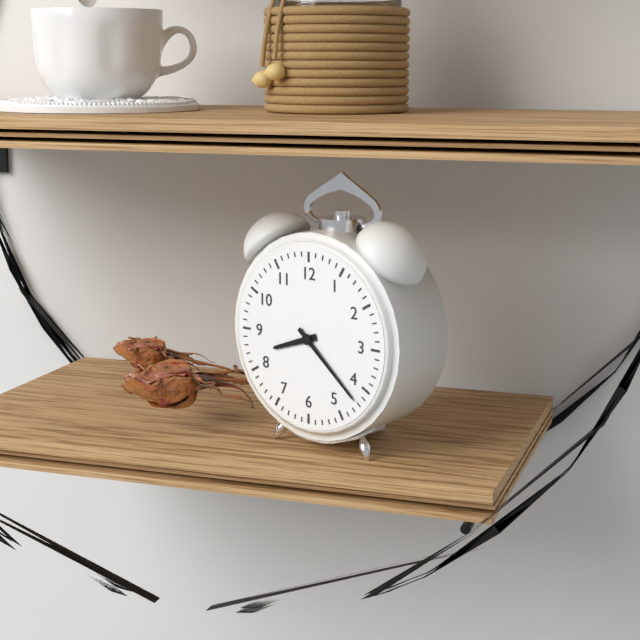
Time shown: {"hour": 8, "minute": 22}
